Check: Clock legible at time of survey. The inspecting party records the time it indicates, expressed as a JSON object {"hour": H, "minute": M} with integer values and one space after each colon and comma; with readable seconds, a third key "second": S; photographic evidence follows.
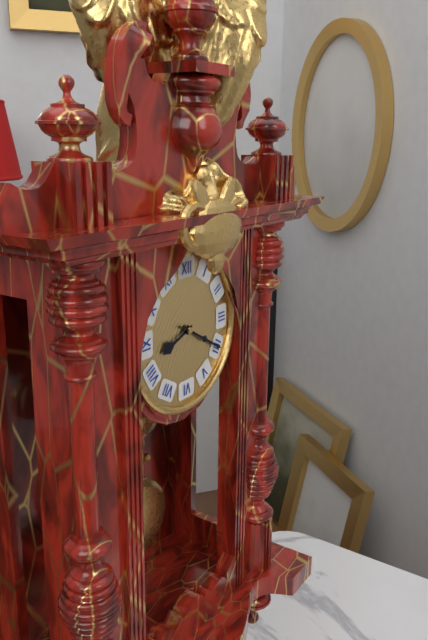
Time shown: {"hour": 8, "minute": 20}
